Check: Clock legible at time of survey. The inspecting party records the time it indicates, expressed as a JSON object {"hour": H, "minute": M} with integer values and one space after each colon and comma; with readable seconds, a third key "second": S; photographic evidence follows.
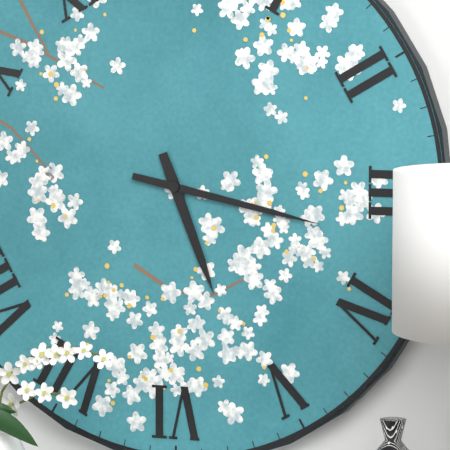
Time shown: {"hour": 5, "minute": 17}
